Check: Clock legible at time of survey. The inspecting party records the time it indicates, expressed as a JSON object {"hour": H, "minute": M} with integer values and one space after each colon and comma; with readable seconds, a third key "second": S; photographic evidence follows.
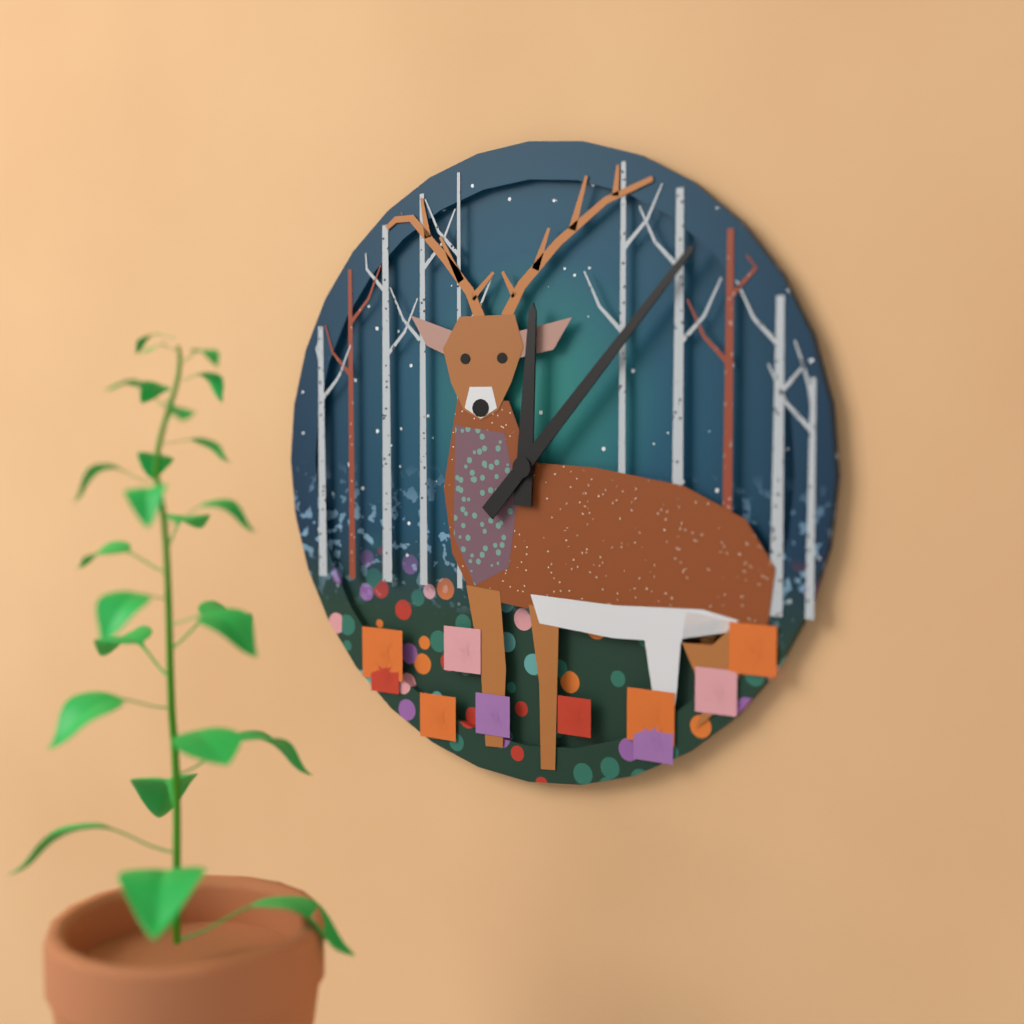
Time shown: {"hour": 12, "minute": 7}
